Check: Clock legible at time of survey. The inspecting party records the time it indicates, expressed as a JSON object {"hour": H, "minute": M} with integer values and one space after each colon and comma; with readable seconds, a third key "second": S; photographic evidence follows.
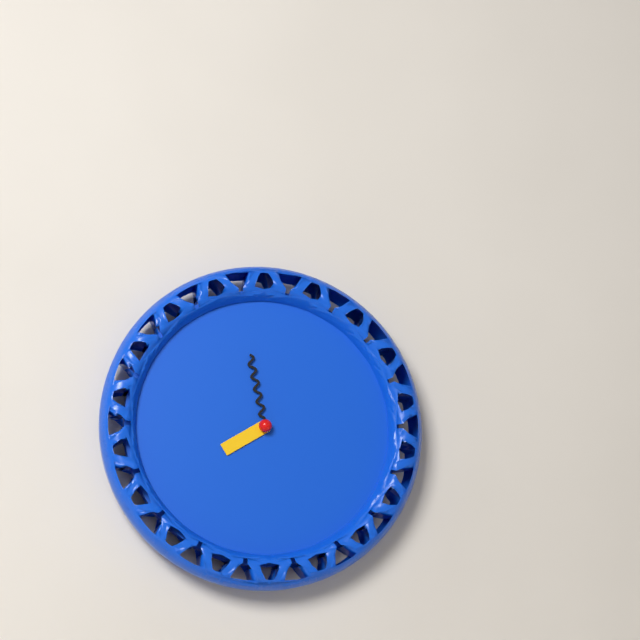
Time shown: {"hour": 7, "minute": 58}
